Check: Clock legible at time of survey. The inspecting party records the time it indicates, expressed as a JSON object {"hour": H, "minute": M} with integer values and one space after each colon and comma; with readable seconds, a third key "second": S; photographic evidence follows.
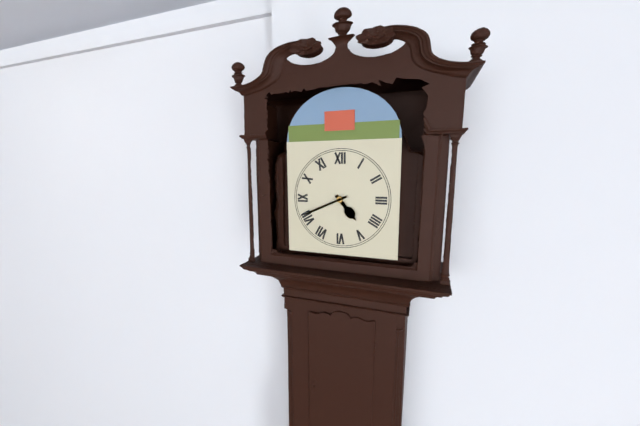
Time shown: {"hour": 4, "minute": 41}
